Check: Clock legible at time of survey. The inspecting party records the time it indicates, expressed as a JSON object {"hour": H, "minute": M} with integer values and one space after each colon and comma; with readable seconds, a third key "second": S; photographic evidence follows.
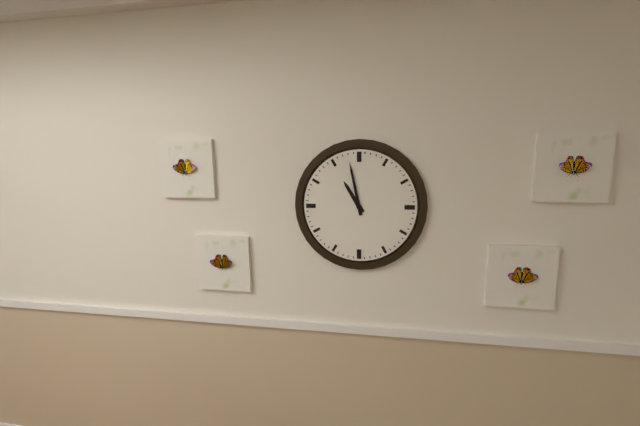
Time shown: {"hour": 10, "minute": 58}
